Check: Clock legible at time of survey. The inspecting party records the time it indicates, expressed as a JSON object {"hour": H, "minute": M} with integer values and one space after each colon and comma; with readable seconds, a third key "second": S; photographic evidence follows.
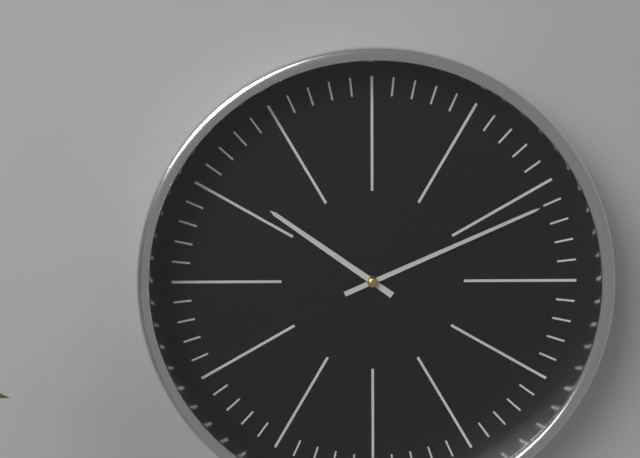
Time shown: {"hour": 10, "minute": 11}
